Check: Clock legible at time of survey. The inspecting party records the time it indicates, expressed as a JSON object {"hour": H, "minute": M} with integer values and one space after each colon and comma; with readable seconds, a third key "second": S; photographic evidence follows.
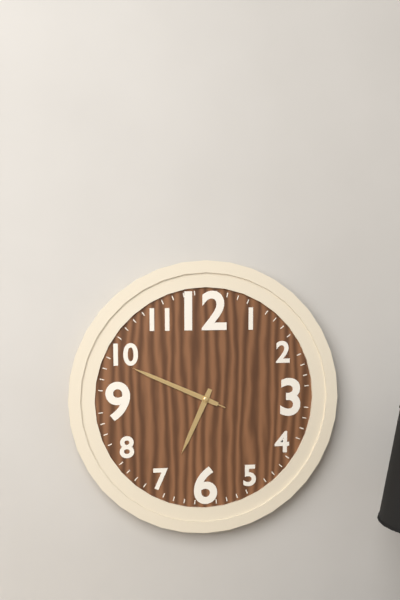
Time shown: {"hour": 6, "minute": 49, "second": 49}
